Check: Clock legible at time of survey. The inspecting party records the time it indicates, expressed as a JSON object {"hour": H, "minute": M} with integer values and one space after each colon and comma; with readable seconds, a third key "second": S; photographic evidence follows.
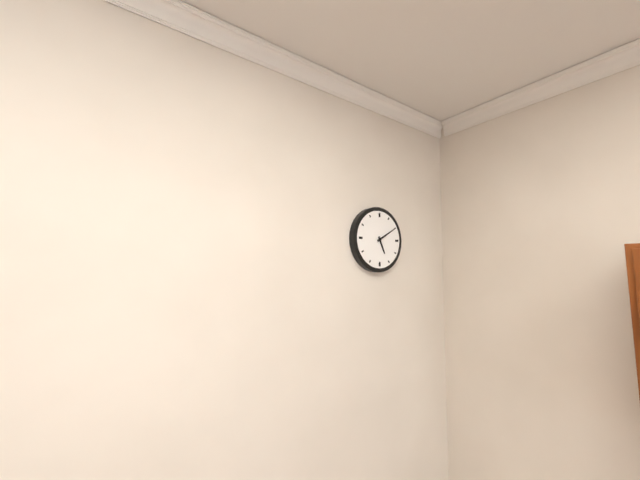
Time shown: {"hour": 5, "minute": 10}
